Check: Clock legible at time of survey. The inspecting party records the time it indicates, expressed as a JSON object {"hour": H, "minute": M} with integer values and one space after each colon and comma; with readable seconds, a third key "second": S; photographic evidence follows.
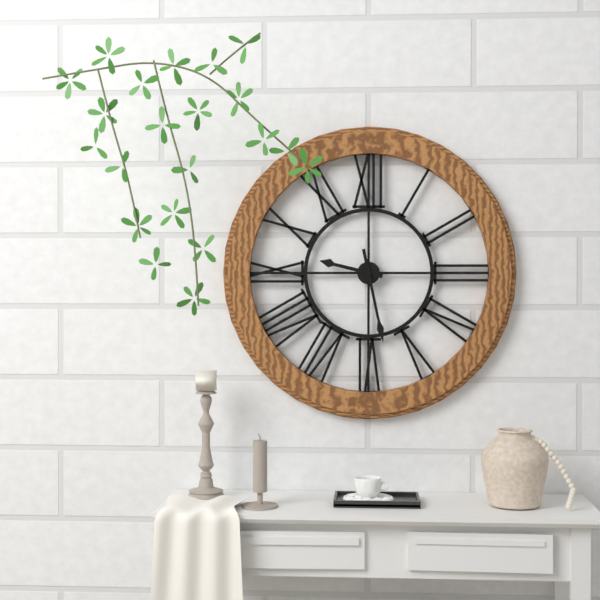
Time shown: {"hour": 9, "minute": 28}
